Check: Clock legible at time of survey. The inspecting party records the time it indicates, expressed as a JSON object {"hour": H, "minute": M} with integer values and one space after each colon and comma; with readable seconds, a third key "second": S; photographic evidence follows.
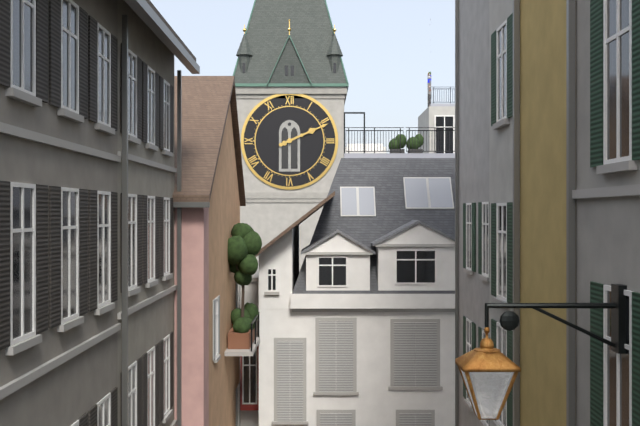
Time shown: {"hour": 2, "minute": 11}
